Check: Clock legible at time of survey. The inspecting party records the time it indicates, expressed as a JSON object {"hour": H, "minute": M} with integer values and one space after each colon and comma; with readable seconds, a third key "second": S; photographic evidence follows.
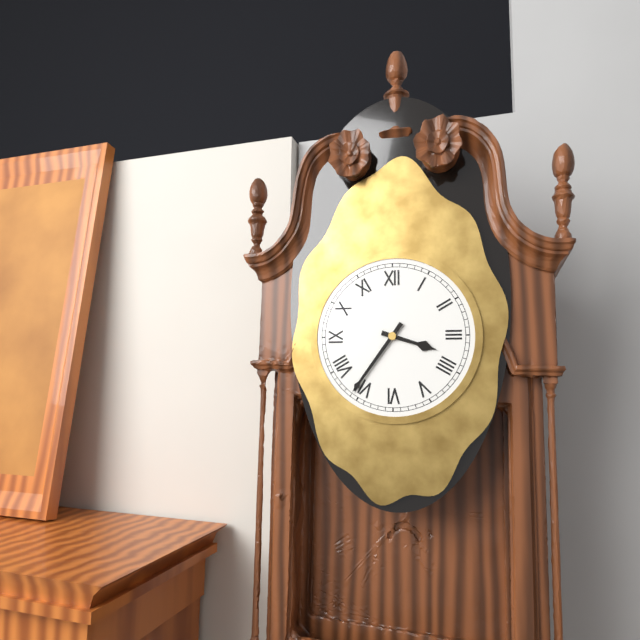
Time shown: {"hour": 3, "minute": 36}
